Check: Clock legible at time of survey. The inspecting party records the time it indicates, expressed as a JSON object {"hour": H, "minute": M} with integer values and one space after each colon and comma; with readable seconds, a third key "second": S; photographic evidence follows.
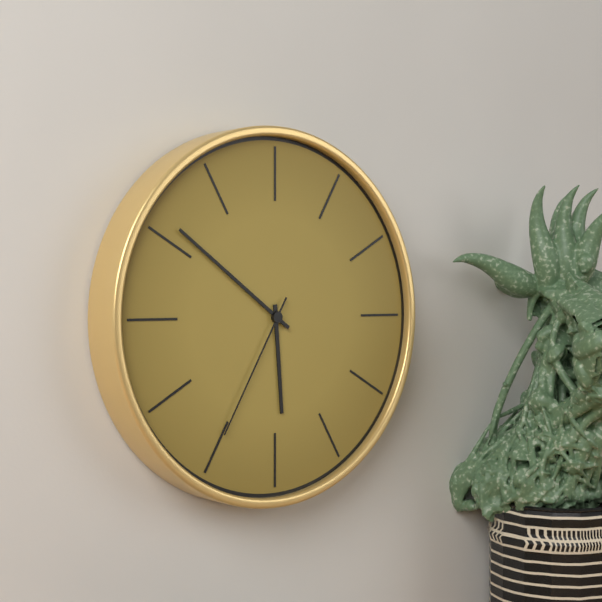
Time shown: {"hour": 5, "minute": 51, "second": 35}
